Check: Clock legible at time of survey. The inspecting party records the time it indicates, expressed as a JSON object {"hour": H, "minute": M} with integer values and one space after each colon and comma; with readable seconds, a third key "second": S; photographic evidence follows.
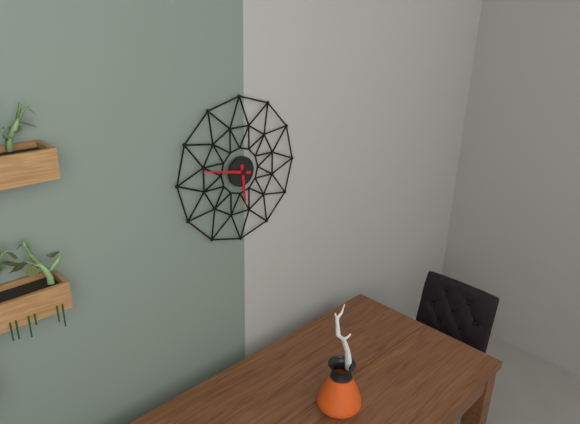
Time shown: {"hour": 5, "minute": 47}
